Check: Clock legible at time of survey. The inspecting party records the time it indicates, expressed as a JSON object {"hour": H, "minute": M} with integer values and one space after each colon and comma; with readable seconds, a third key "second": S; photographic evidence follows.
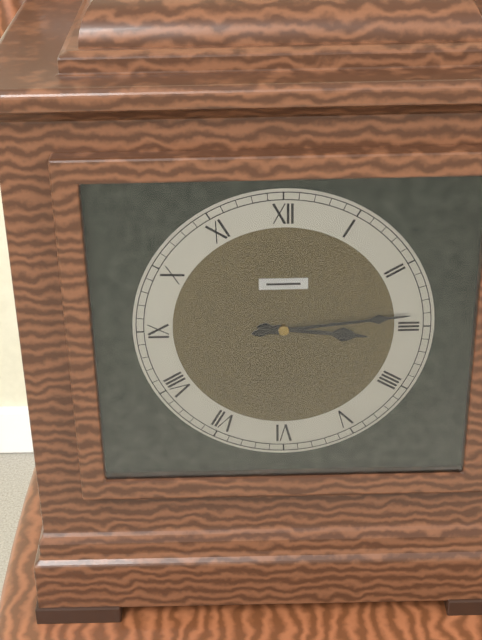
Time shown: {"hour": 3, "minute": 14}
